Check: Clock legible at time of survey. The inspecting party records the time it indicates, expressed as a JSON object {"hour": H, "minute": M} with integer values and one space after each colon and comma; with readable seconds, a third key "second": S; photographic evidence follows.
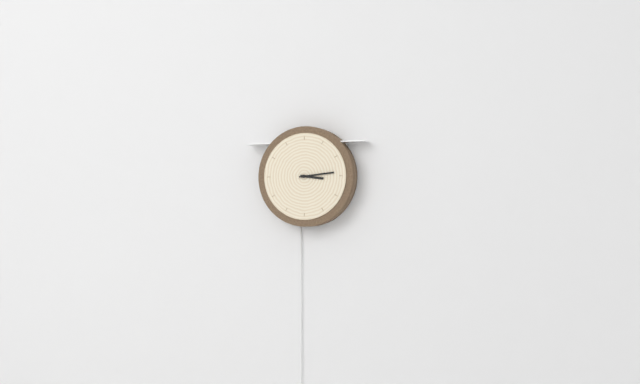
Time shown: {"hour": 3, "minute": 14}
